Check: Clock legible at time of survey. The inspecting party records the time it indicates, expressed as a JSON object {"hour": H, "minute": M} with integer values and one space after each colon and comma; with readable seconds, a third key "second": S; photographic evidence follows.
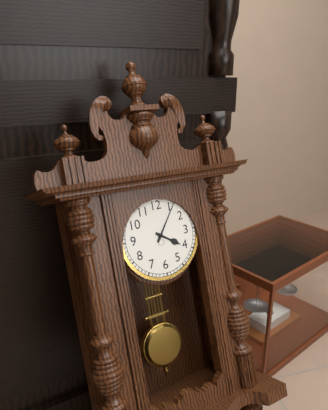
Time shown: {"hour": 4, "minute": 6}
